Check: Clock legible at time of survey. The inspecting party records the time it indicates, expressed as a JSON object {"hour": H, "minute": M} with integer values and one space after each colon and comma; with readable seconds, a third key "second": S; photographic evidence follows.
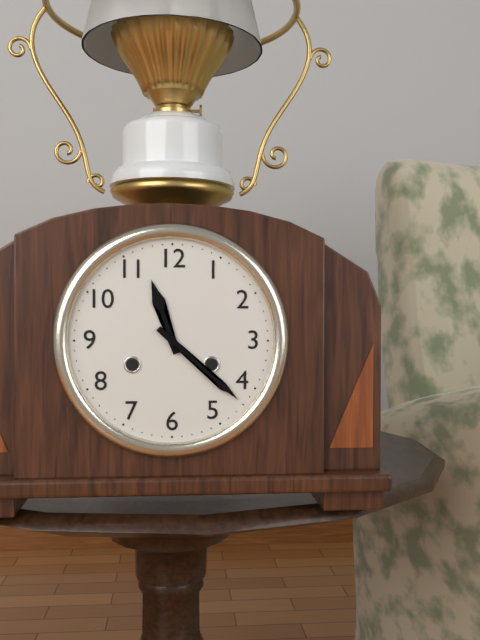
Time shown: {"hour": 11, "minute": 22}
